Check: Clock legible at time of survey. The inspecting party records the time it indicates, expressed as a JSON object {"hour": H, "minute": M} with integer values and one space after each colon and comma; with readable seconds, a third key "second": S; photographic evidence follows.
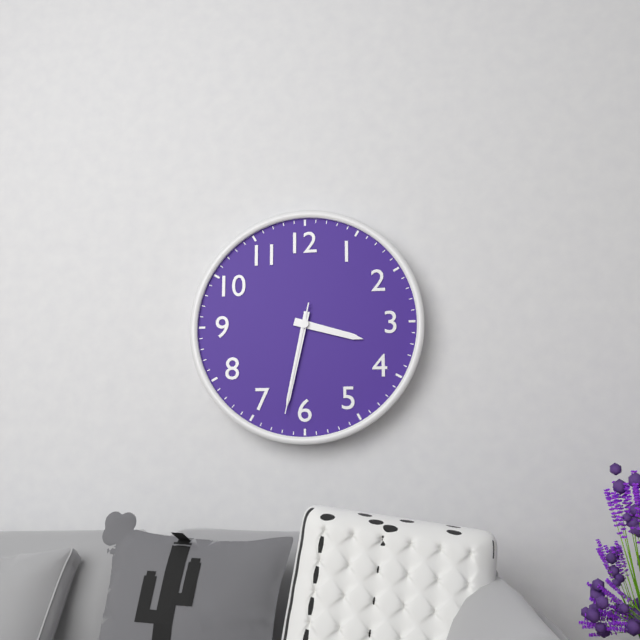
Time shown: {"hour": 3, "minute": 32, "second": 32}
